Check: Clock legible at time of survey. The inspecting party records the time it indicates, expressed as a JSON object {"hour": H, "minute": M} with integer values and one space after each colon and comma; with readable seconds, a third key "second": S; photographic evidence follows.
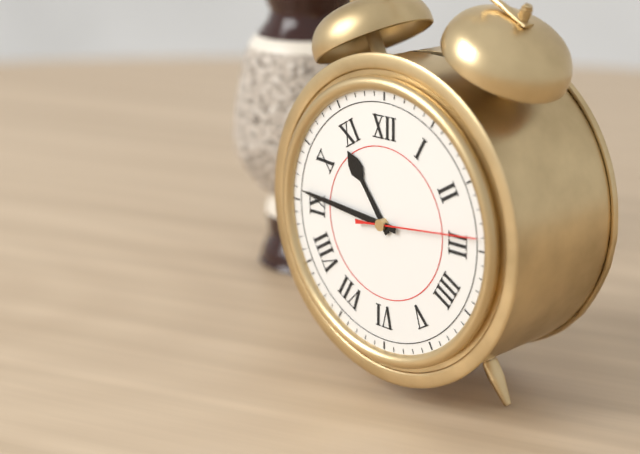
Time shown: {"hour": 10, "minute": 46, "second": 14}
